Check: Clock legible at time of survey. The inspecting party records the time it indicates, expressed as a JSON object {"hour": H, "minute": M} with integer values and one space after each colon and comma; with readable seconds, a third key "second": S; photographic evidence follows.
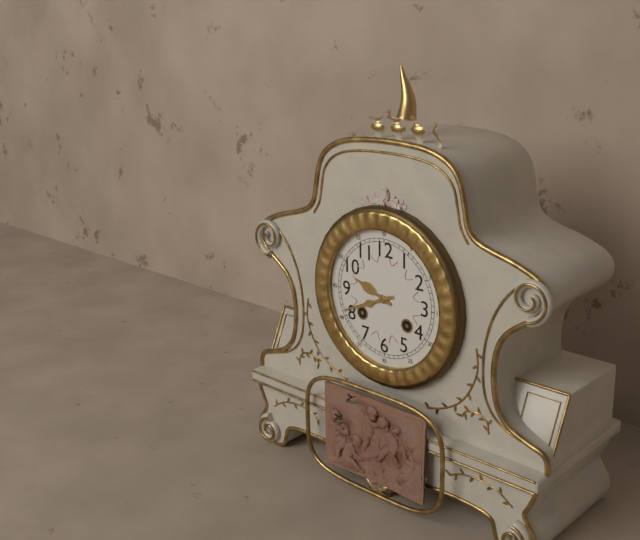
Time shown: {"hour": 9, "minute": 41}
